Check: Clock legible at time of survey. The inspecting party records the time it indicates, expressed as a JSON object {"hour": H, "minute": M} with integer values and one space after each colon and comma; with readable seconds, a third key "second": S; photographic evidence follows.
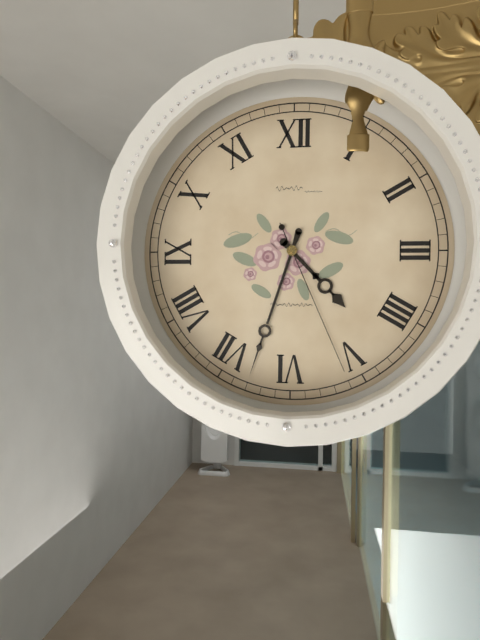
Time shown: {"hour": 4, "minute": 33, "second": 26}
